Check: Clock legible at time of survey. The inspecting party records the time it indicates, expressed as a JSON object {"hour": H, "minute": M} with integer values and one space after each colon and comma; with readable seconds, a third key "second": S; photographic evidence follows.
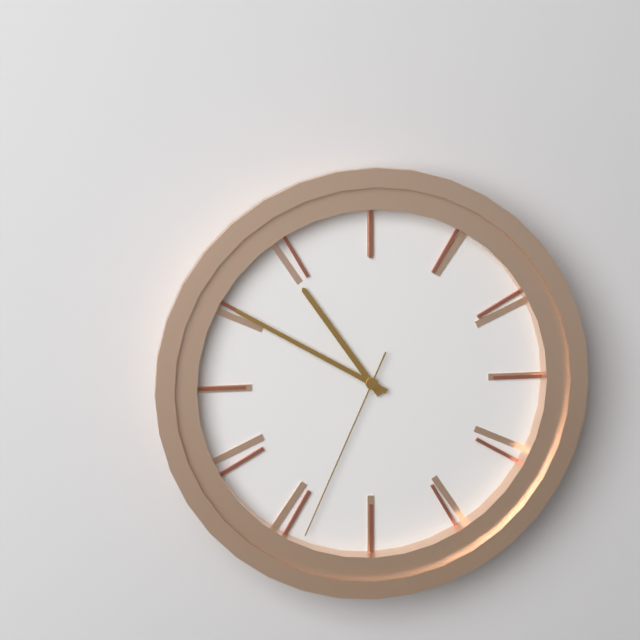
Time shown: {"hour": 10, "minute": 50, "second": 34}
